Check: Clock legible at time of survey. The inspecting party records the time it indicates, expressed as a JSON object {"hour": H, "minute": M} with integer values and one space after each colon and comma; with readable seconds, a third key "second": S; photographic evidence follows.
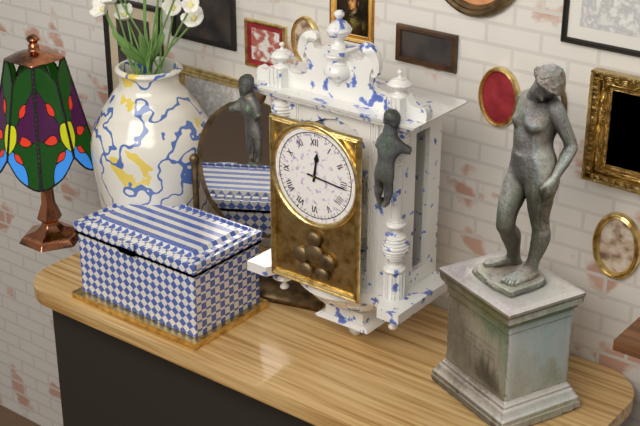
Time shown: {"hour": 12, "minute": 16}
